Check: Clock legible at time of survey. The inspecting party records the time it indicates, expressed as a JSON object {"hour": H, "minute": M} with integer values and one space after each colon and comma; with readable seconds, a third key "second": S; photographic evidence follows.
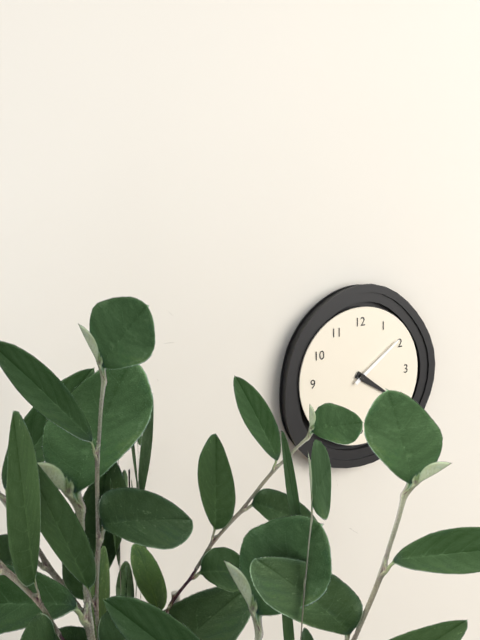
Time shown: {"hour": 4, "minute": 9}
